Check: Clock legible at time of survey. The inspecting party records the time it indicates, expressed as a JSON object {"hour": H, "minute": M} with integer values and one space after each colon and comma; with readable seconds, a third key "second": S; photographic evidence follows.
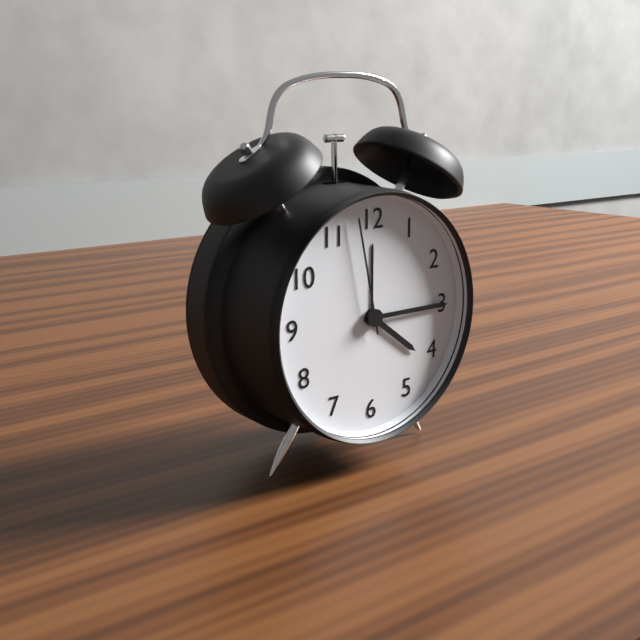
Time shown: {"hour": 4, "minute": 15, "second": 58}
